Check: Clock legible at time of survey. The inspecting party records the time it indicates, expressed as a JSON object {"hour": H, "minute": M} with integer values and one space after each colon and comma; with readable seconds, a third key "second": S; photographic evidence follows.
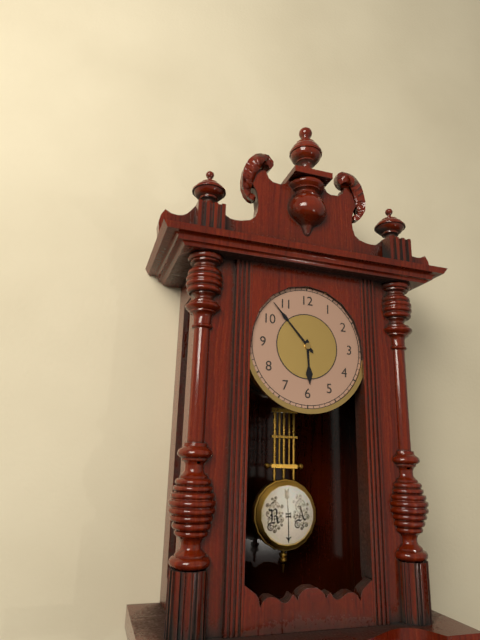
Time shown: {"hour": 5, "minute": 53}
